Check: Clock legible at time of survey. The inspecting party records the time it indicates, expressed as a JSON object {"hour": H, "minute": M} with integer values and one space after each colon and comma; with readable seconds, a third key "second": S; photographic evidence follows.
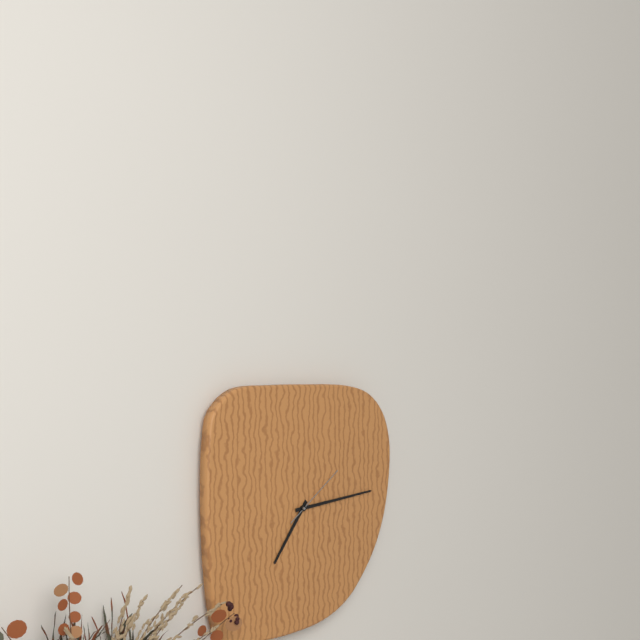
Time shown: {"hour": 7, "minute": 14, "second": 9}
